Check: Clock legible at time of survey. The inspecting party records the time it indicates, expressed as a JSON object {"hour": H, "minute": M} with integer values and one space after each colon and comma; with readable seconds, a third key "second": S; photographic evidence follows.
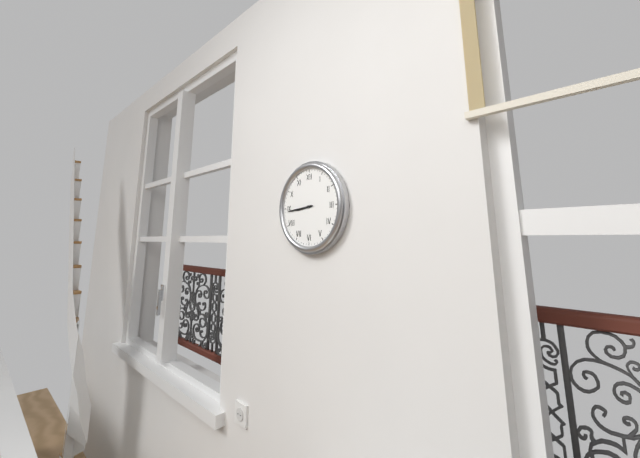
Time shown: {"hour": 8, "minute": 44}
